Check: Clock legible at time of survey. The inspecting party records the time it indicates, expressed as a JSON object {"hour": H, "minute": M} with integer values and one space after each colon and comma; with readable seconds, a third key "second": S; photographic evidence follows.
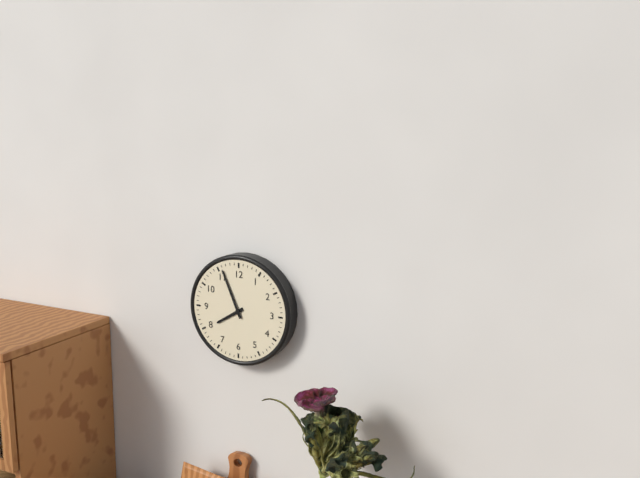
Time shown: {"hour": 7, "minute": 56}
